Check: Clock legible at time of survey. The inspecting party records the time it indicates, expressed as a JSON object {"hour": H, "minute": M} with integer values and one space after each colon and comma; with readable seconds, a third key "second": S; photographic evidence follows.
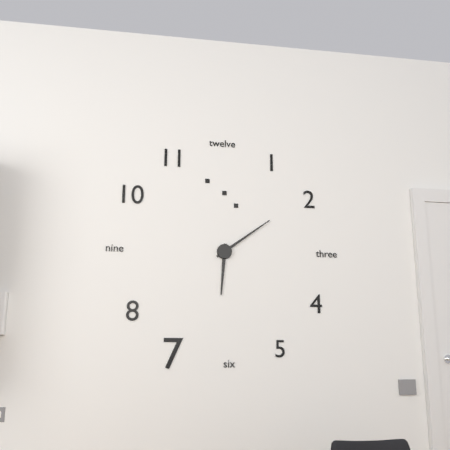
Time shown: {"hour": 6, "minute": 9}
